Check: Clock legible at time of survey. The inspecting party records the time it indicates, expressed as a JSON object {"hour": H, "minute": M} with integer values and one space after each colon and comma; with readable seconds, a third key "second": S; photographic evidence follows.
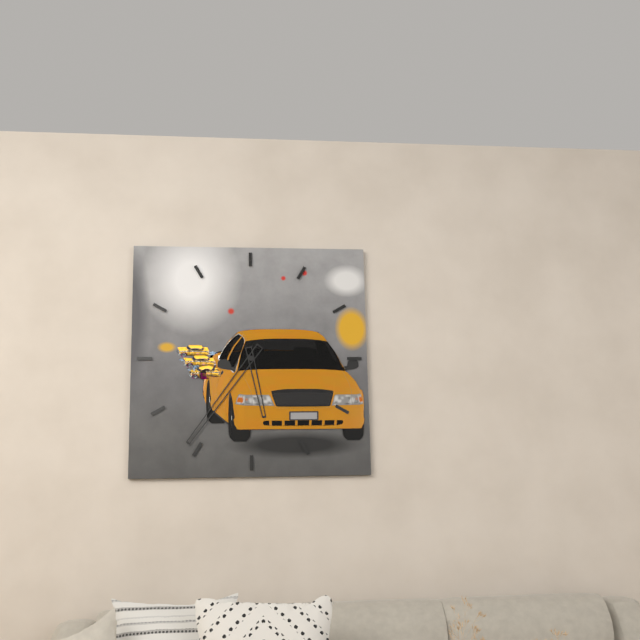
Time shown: {"hour": 5, "minute": 36}
